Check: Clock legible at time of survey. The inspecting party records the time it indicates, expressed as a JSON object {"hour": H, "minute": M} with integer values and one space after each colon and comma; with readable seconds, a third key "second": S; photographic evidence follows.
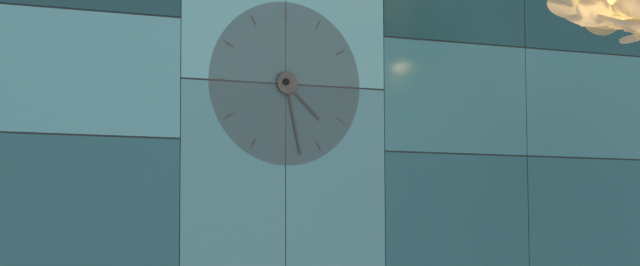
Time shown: {"hour": 4, "minute": 28}
